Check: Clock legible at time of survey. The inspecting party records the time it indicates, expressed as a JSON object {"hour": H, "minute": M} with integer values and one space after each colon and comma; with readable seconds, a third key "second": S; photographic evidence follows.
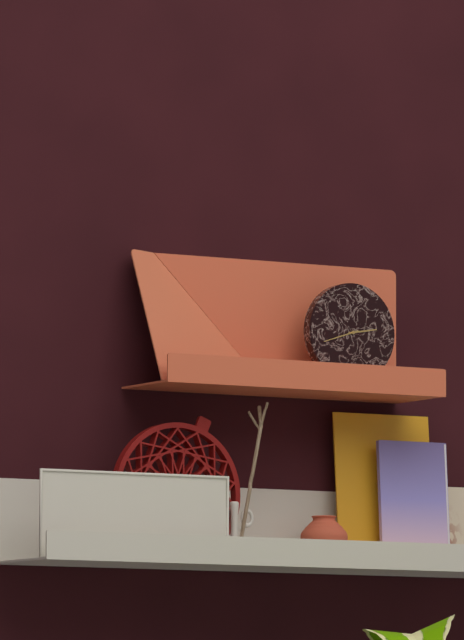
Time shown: {"hour": 2, "minute": 42}
